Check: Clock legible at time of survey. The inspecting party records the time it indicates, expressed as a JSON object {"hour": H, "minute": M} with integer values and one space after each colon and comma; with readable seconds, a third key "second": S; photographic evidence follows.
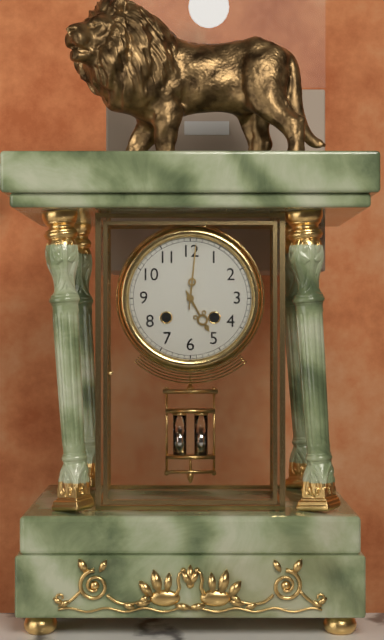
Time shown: {"hour": 5, "minute": 1}
